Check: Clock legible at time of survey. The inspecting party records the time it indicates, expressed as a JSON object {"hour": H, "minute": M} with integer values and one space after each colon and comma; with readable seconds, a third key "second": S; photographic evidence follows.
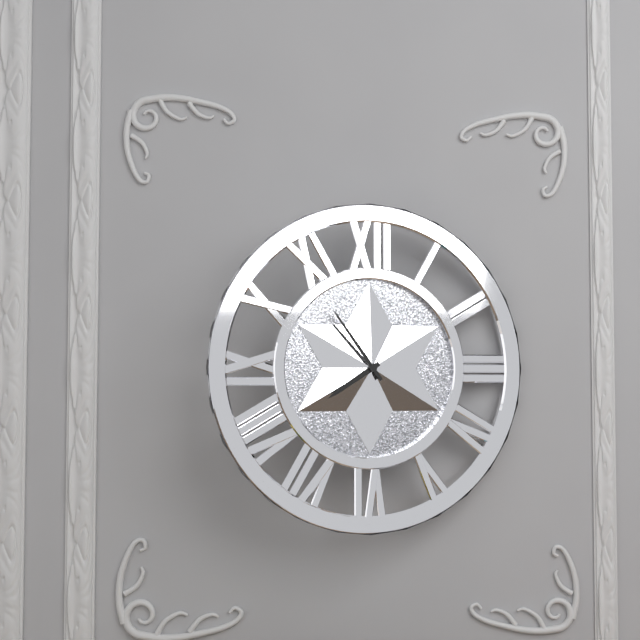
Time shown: {"hour": 7, "minute": 54}
